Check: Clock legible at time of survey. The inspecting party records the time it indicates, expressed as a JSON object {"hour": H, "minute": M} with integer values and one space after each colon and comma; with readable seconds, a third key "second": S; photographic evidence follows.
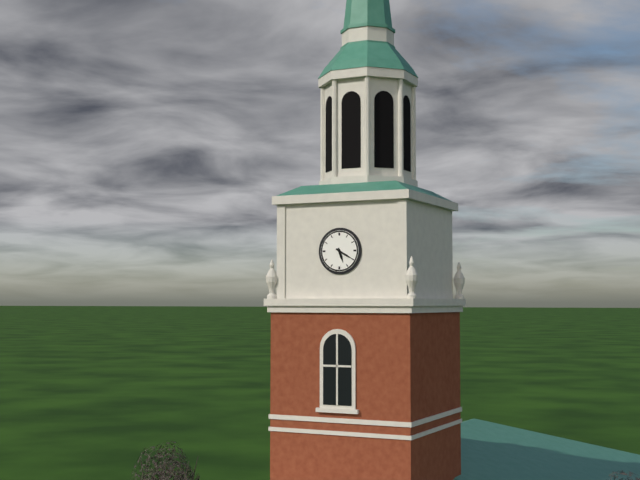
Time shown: {"hour": 5, "minute": 20}
